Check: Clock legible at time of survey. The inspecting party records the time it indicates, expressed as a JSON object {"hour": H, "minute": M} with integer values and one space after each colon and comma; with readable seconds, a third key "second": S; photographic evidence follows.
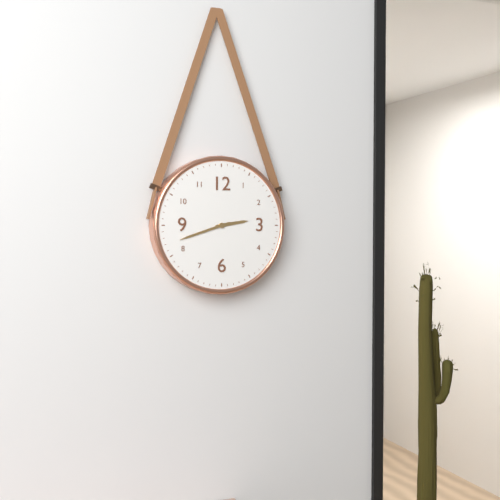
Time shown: {"hour": 2, "minute": 42}
